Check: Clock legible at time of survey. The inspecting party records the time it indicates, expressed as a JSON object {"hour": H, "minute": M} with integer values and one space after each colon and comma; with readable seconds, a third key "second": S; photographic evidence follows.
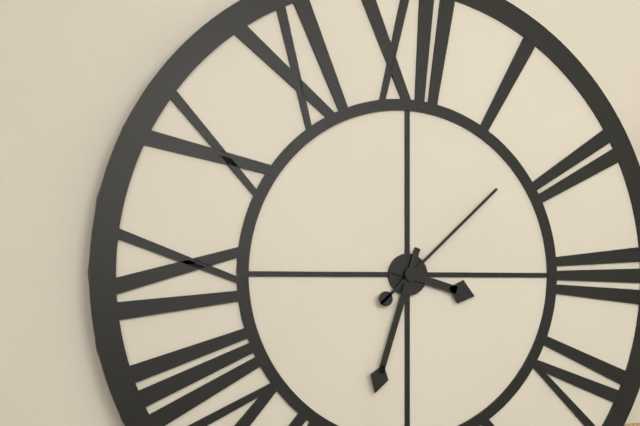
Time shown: {"hour": 3, "minute": 33, "second": 8}
